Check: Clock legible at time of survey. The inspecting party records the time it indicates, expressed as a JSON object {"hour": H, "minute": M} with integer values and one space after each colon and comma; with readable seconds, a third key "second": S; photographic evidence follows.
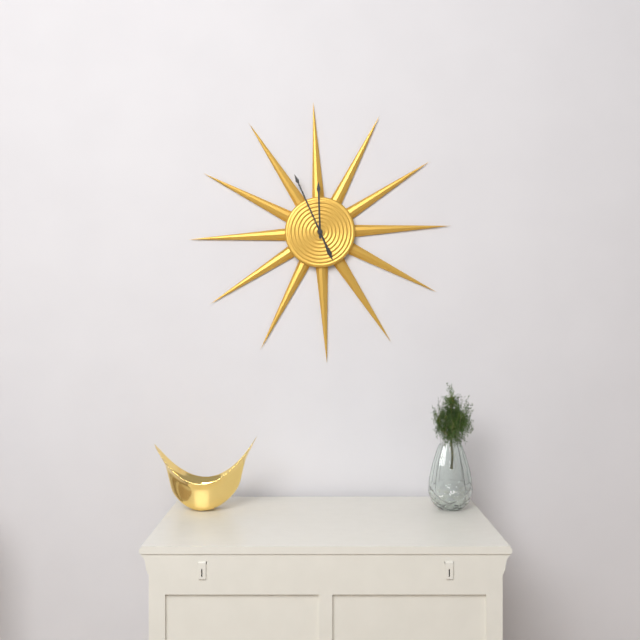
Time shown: {"hour": 11, "minute": 56}
